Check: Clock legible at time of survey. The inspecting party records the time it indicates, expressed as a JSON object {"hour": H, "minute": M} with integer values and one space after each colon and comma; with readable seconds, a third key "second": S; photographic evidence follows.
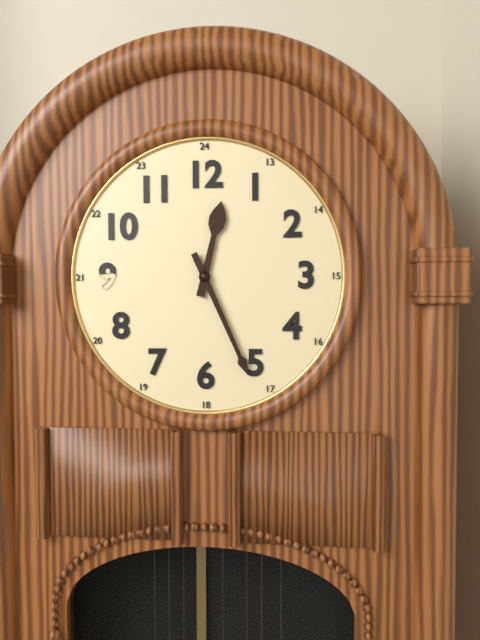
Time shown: {"hour": 12, "minute": 26}
